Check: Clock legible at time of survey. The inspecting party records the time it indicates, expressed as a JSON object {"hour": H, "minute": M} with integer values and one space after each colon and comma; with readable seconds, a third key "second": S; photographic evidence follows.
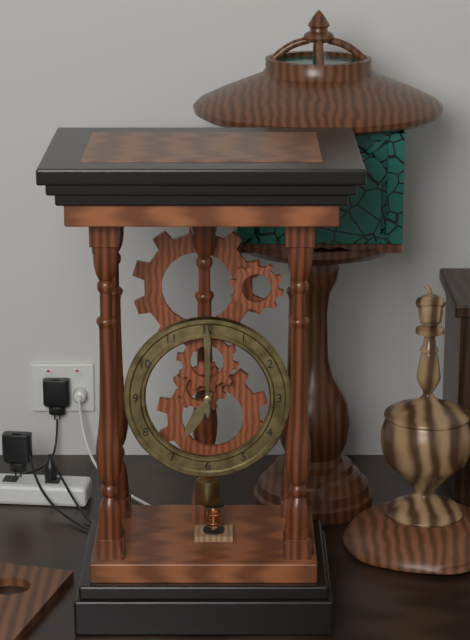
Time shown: {"hour": 7, "minute": 0}
